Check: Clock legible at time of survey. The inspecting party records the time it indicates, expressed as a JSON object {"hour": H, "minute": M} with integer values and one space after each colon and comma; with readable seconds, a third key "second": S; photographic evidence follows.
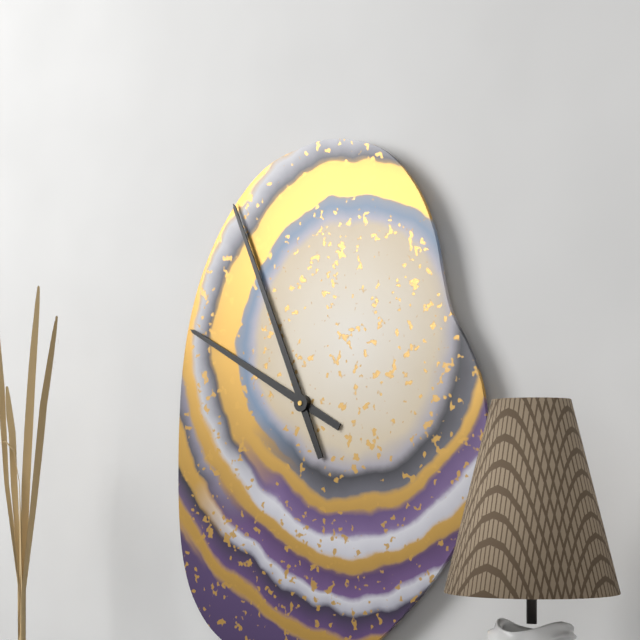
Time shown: {"hour": 9, "minute": 56}
